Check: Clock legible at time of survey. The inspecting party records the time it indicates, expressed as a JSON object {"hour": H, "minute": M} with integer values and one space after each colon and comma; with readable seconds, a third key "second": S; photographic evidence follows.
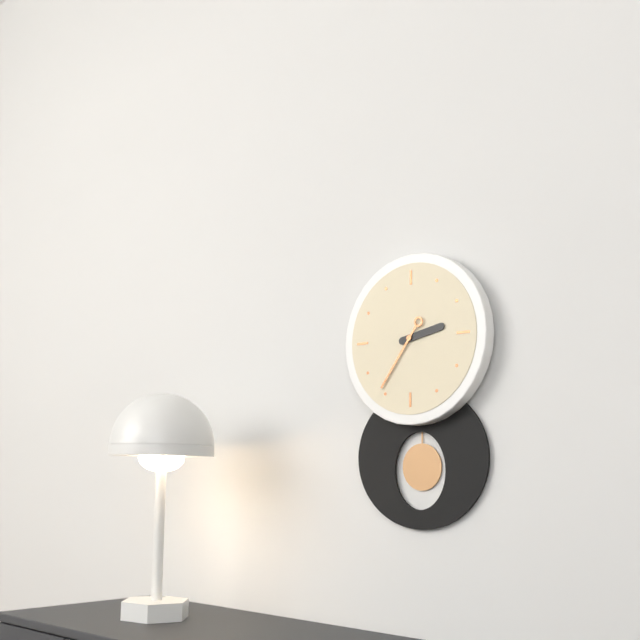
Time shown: {"hour": 2, "minute": 36}
